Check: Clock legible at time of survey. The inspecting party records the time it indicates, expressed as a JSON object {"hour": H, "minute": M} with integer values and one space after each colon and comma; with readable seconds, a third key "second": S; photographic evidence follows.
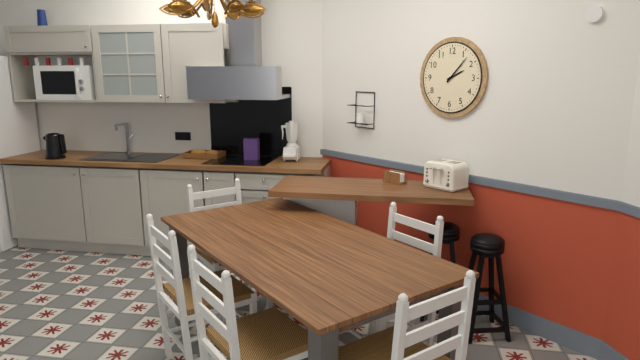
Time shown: {"hour": 2, "minute": 7}
